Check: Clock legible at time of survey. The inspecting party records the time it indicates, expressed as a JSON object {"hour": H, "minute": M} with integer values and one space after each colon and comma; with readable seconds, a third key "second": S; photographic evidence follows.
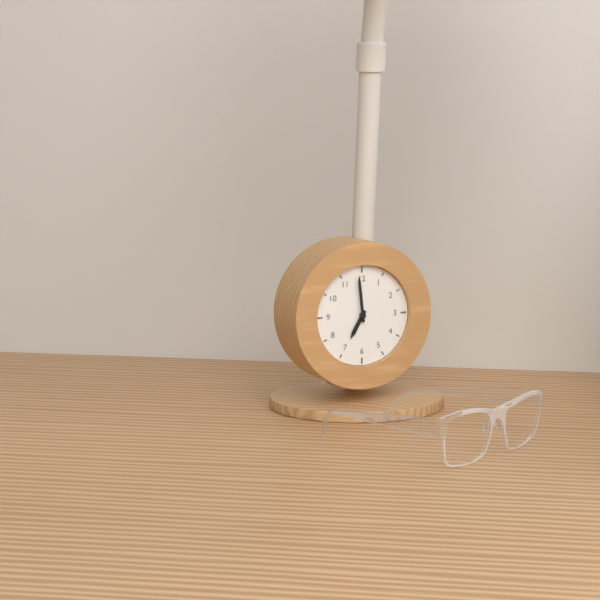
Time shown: {"hour": 6, "minute": 59}
